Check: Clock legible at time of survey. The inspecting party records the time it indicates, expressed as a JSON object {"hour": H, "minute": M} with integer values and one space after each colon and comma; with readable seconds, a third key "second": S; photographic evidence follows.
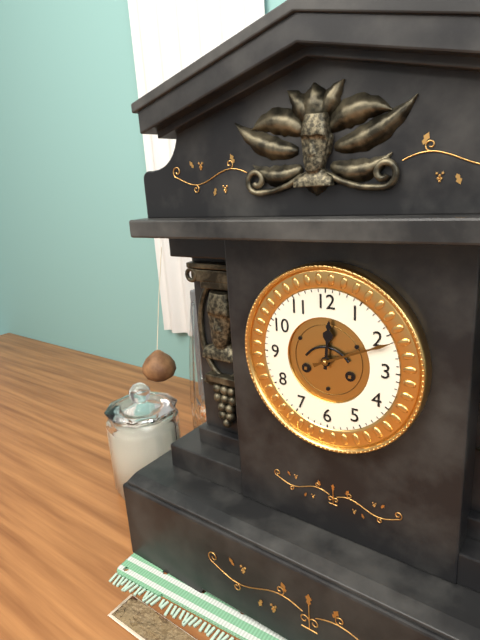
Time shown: {"hour": 12, "minute": 11}
